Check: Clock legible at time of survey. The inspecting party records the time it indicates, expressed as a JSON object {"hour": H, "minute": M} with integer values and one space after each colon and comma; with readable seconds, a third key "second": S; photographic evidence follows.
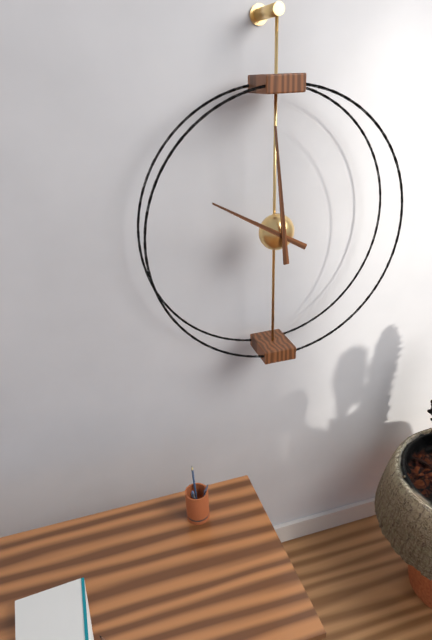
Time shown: {"hour": 9, "minute": 59}
